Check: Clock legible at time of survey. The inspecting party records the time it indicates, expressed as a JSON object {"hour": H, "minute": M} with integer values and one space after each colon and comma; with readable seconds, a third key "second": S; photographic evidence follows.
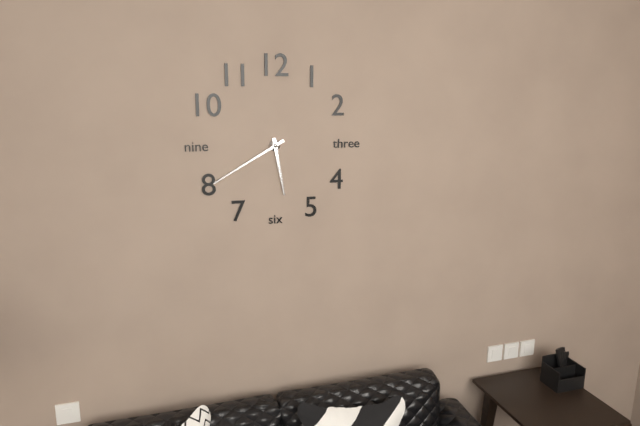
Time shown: {"hour": 5, "minute": 40}
